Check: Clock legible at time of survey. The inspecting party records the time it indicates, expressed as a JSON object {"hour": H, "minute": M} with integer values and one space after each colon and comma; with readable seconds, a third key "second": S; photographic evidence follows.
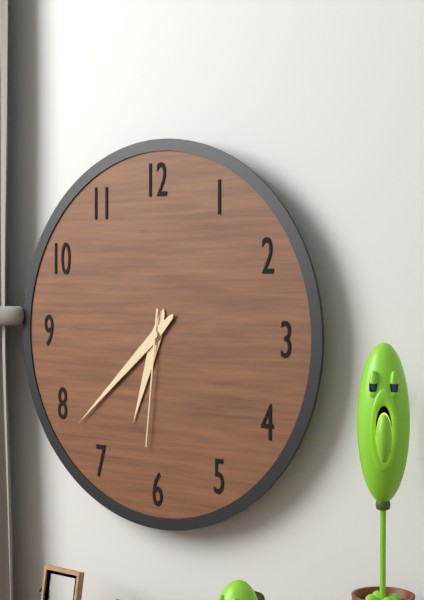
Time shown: {"hour": 6, "minute": 38, "second": 31}
